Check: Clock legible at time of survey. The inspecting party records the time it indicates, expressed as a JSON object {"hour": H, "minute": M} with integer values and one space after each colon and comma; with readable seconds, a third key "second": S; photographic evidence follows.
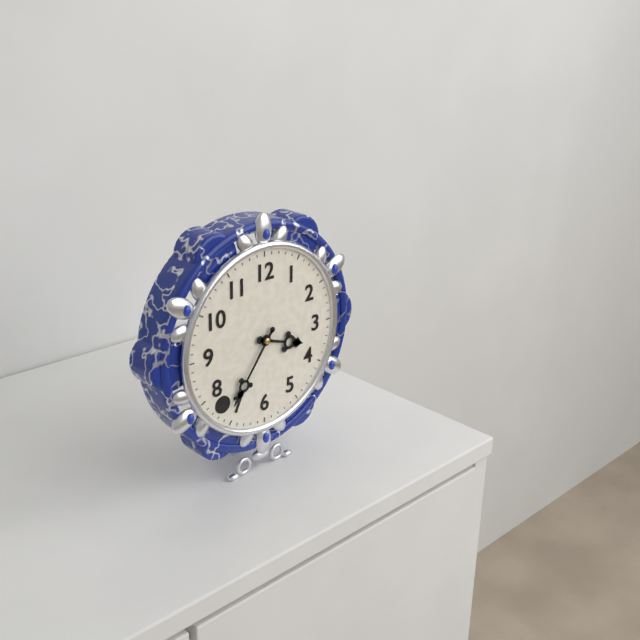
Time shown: {"hour": 3, "minute": 36}
